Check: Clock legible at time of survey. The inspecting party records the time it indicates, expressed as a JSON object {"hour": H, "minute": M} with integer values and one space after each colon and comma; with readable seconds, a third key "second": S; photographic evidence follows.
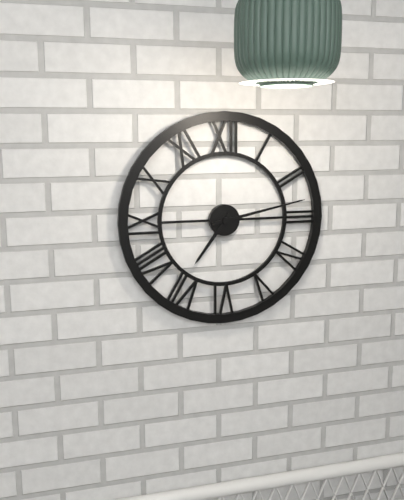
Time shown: {"hour": 7, "minute": 13}
